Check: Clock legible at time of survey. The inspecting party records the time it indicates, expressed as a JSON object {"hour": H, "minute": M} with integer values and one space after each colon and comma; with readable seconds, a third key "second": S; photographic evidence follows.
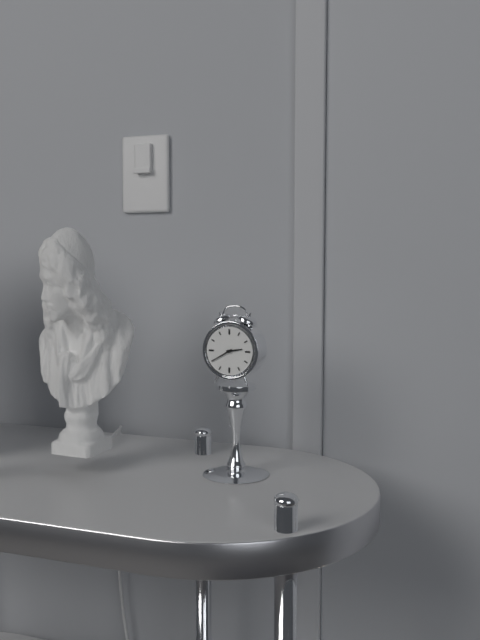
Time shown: {"hour": 2, "minute": 40}
